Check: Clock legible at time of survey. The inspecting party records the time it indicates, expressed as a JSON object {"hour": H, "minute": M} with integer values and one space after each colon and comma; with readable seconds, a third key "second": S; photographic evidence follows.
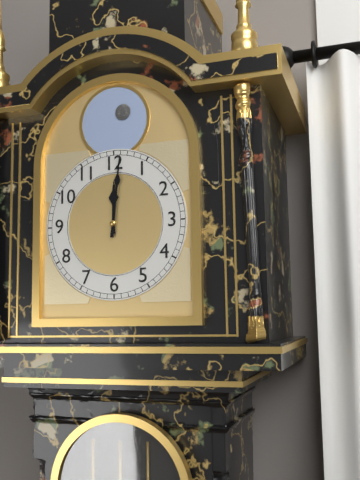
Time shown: {"hour": 12, "minute": 1}
